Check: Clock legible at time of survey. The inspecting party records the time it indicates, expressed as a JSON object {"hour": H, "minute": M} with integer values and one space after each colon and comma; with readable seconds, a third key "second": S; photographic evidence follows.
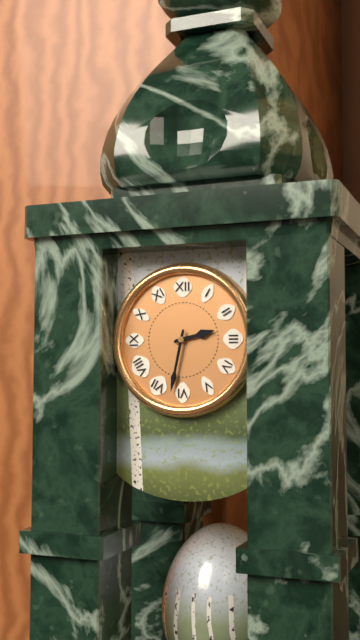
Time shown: {"hour": 2, "minute": 32}
